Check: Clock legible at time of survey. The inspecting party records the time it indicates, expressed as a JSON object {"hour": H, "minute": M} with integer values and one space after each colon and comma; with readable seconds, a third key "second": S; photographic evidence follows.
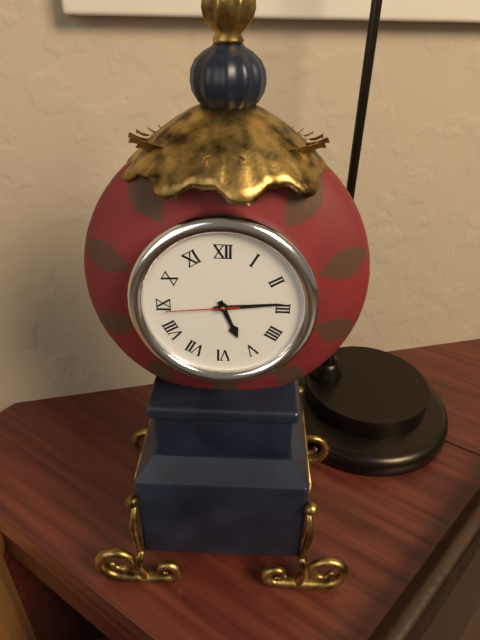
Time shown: {"hour": 5, "minute": 14, "second": 44}
